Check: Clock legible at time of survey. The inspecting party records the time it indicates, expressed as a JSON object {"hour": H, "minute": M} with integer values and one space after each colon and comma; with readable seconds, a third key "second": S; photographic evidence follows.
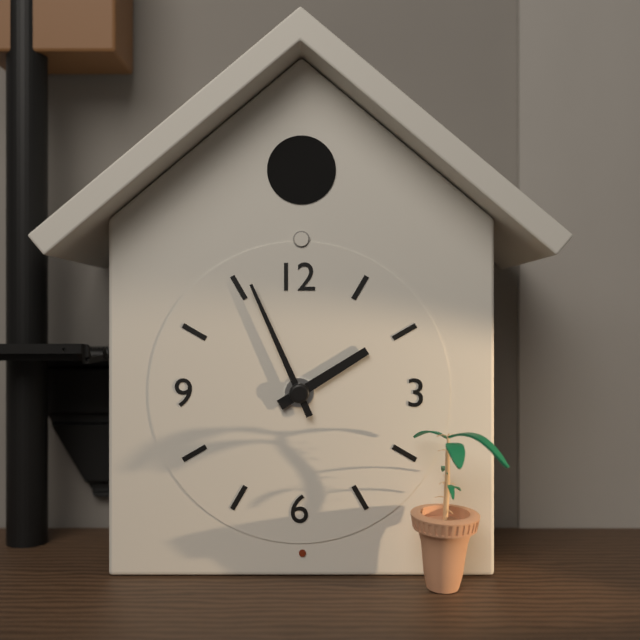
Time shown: {"hour": 1, "minute": 56}
